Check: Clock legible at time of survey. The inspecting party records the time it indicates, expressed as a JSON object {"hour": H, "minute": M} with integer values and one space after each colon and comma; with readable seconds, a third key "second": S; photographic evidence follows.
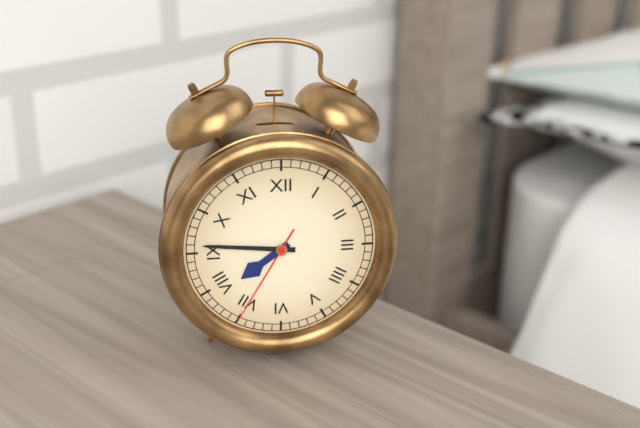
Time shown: {"hour": 7, "minute": 46, "second": 35}
